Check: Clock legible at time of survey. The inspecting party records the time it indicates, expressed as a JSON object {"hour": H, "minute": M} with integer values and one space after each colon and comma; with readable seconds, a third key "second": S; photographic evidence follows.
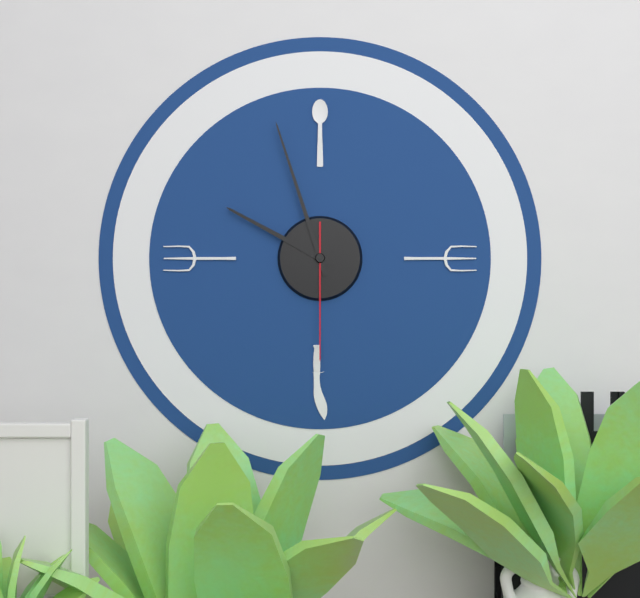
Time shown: {"hour": 9, "minute": 57, "second": 30}
